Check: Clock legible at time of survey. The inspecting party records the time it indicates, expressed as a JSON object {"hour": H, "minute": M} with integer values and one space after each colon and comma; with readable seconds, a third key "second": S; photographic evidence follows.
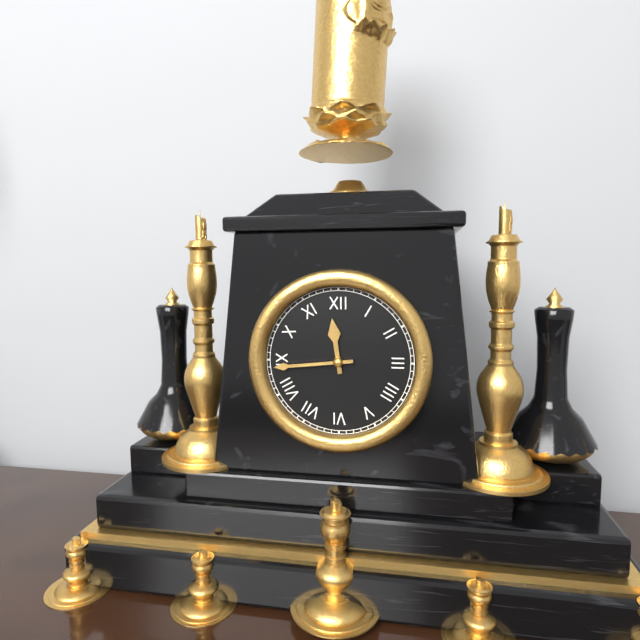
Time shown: {"hour": 11, "minute": 44}
